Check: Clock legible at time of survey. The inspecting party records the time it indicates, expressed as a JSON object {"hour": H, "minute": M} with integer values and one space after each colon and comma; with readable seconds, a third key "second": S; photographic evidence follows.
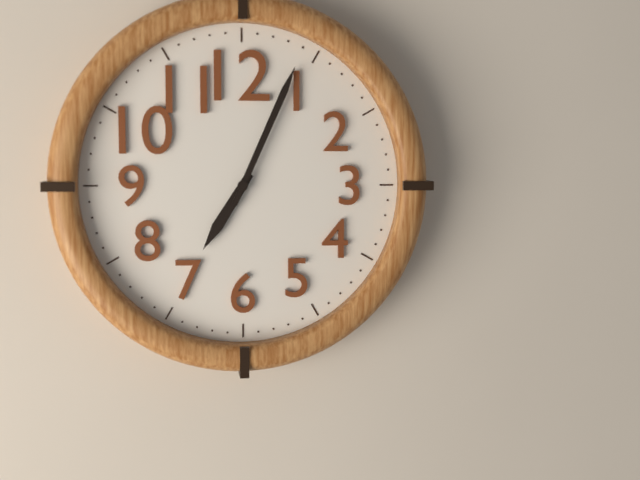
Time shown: {"hour": 7, "minute": 4}
